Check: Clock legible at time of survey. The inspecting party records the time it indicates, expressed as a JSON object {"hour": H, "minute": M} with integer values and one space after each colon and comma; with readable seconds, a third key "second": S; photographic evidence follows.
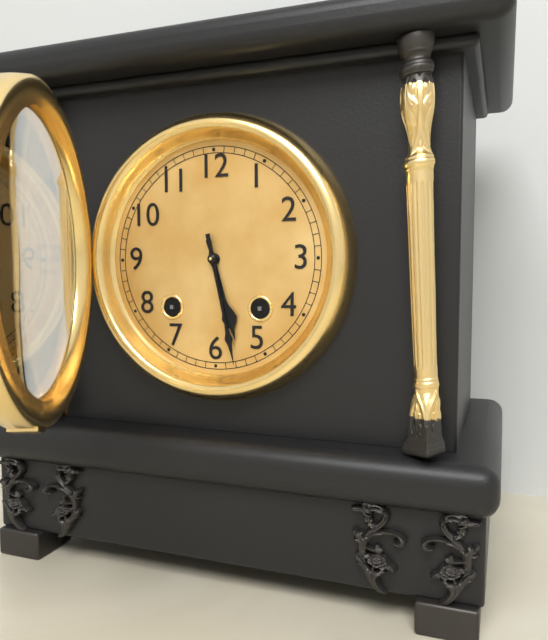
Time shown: {"hour": 5, "minute": 28}
